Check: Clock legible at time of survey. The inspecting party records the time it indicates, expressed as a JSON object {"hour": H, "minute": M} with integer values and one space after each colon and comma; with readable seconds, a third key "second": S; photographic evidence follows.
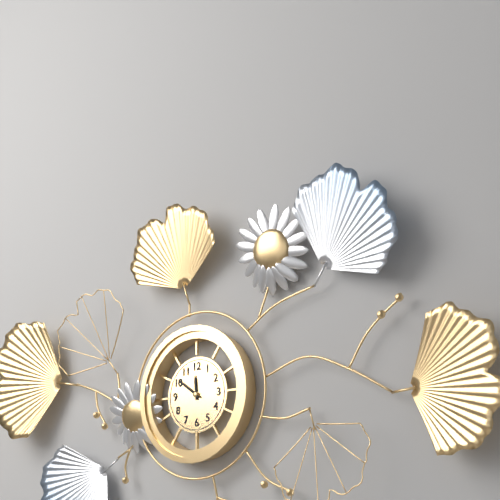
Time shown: {"hour": 11, "minute": 51}
